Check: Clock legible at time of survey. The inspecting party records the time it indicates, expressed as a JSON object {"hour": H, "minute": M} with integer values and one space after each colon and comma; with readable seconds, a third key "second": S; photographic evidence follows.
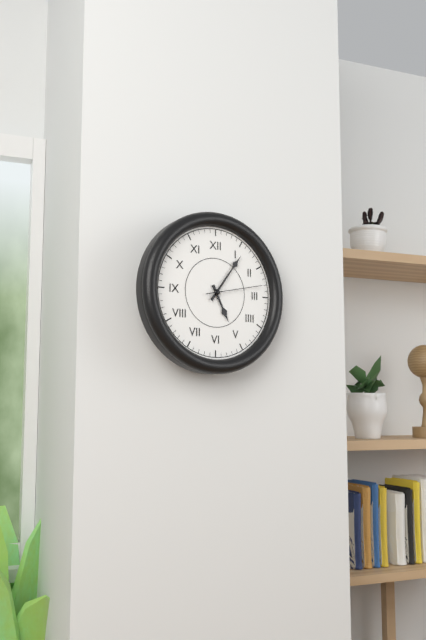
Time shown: {"hour": 5, "minute": 6, "second": 13}
